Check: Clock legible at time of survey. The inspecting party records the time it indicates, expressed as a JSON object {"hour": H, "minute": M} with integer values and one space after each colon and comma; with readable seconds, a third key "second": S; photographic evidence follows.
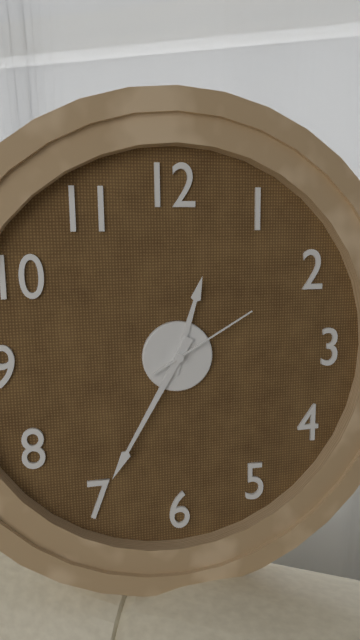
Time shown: {"hour": 12, "minute": 35, "second": 10}
